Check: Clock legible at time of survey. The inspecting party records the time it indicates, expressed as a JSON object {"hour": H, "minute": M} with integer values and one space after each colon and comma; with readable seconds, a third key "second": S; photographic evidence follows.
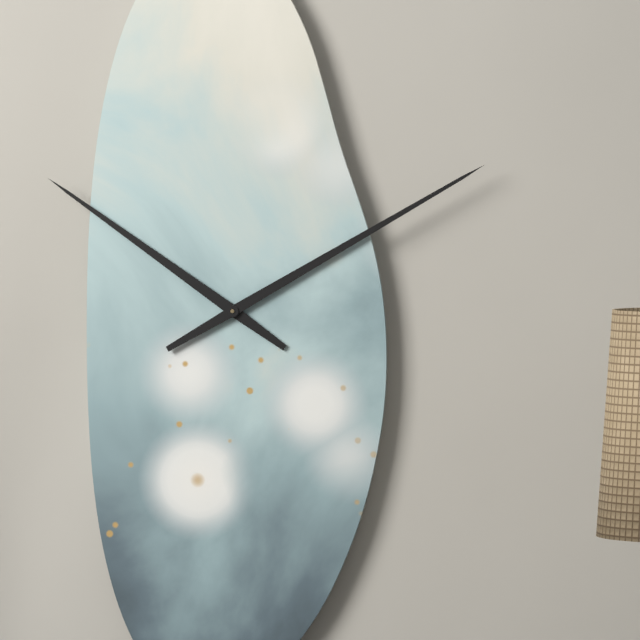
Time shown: {"hour": 10, "minute": 10}
